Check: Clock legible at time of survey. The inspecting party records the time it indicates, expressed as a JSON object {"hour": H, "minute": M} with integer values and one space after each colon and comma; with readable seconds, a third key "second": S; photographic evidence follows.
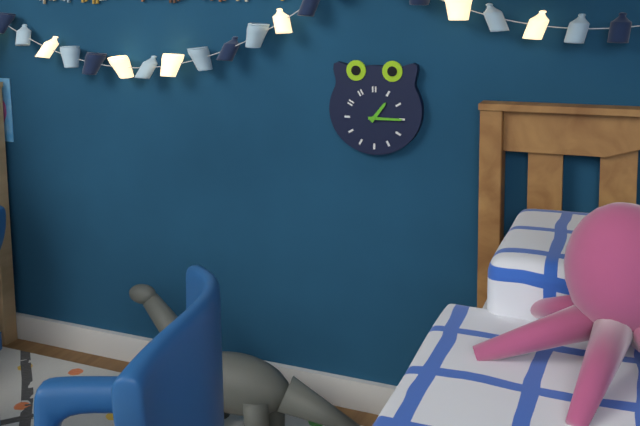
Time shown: {"hour": 1, "minute": 15}
